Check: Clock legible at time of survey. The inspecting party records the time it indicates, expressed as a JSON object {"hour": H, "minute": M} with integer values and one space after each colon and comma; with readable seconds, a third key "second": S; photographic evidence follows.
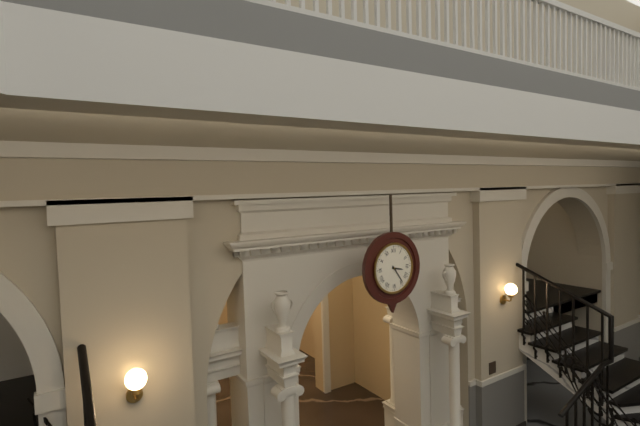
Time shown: {"hour": 3, "minute": 24}
